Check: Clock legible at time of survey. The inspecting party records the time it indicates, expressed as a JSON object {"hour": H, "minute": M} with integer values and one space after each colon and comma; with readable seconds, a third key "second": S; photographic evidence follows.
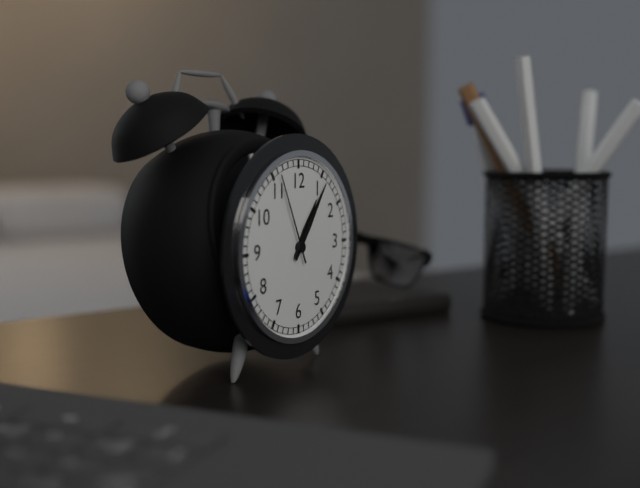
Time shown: {"hour": 1, "minute": 6, "second": 56}
